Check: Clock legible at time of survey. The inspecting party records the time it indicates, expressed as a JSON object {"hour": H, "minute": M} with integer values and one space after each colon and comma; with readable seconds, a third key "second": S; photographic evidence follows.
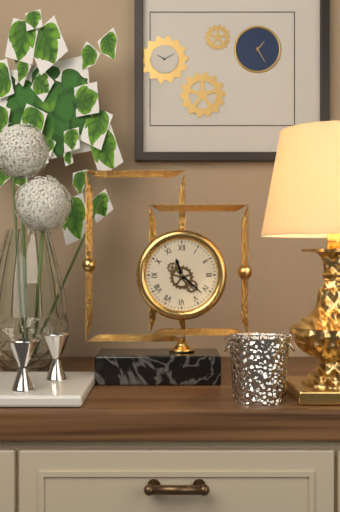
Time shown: {"hour": 11, "minute": 22}
